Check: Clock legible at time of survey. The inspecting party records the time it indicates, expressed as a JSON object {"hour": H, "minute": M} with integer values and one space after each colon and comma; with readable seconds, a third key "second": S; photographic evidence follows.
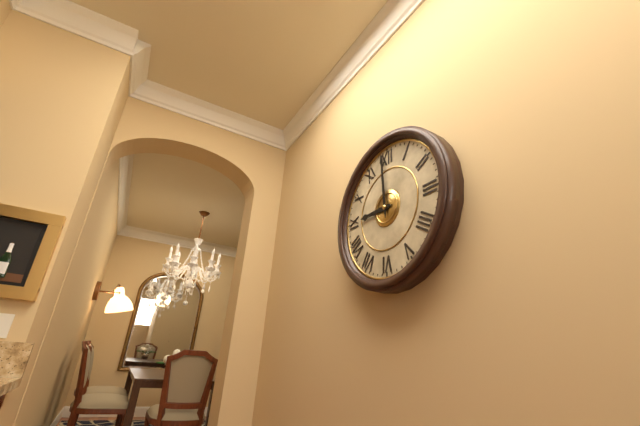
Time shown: {"hour": 8, "minute": 59}
